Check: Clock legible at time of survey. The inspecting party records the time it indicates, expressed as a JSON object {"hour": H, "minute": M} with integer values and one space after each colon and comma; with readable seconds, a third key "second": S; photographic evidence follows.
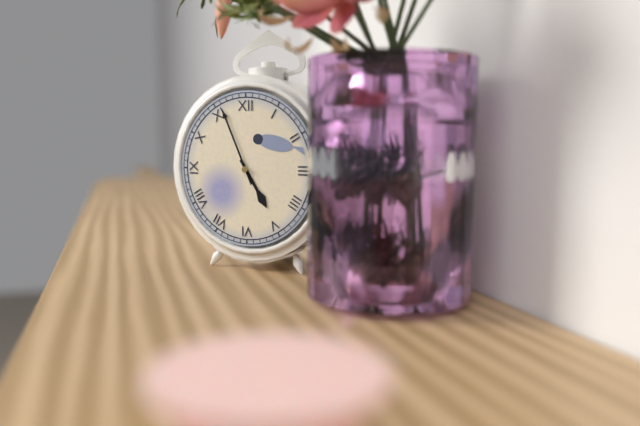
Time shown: {"hour": 4, "minute": 56}
